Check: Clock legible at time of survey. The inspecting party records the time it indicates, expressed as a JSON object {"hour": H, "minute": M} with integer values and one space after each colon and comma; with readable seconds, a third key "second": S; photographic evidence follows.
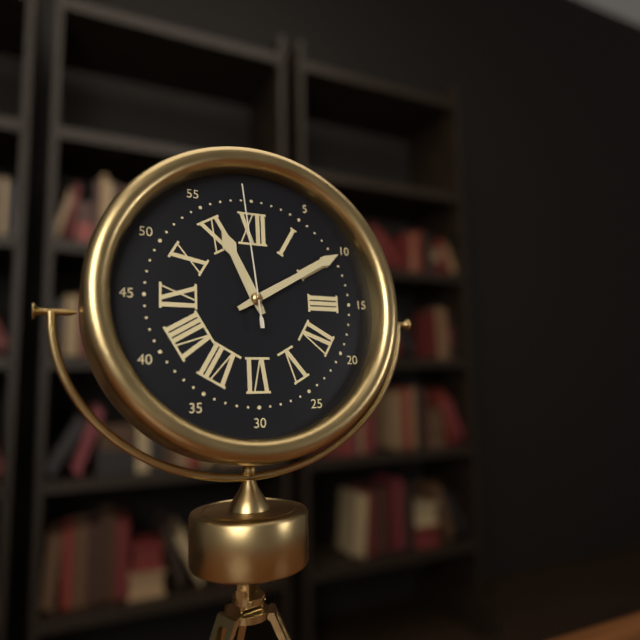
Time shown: {"hour": 11, "minute": 10, "second": 59}
